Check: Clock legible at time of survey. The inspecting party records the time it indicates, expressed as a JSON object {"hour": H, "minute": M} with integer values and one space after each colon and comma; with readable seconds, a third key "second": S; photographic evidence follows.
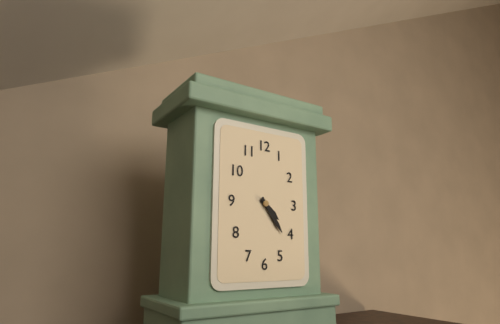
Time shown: {"hour": 4, "minute": 24}
